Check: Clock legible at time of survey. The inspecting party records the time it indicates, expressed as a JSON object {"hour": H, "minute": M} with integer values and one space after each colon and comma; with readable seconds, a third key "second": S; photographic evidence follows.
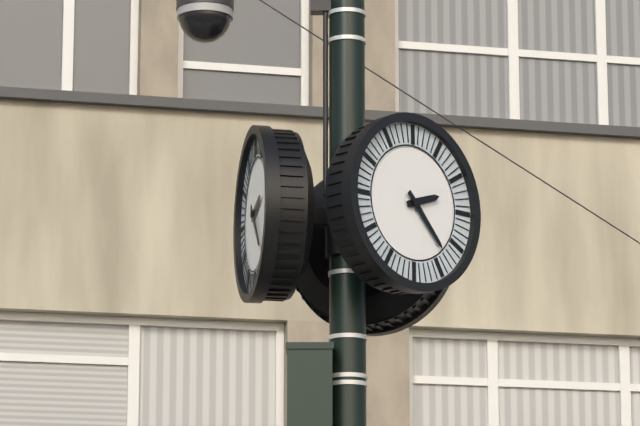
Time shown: {"hour": 2, "minute": 23}
